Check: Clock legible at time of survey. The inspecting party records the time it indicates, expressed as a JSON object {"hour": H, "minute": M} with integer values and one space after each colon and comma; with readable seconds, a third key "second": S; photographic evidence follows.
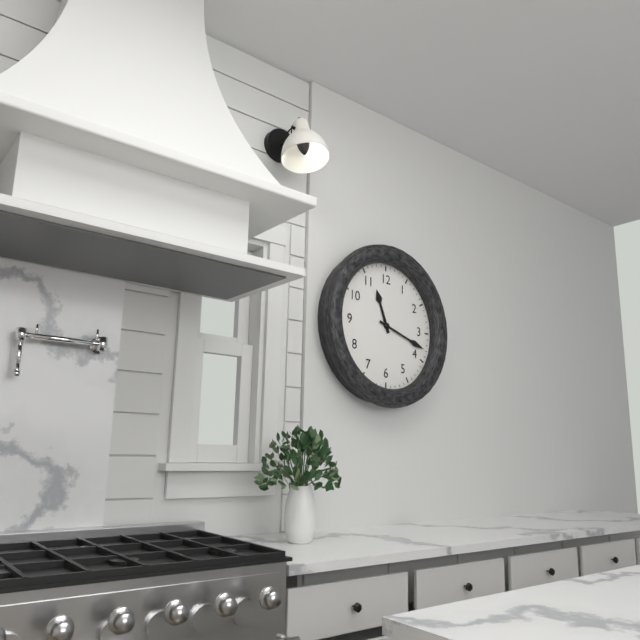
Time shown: {"hour": 11, "minute": 18}
